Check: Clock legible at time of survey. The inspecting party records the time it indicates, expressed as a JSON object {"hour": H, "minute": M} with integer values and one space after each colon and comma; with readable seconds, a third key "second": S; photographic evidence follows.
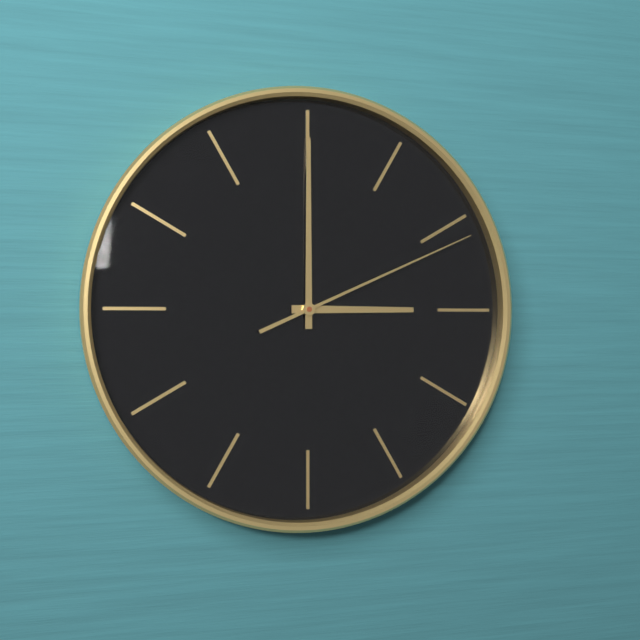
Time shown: {"hour": 3, "minute": 0, "second": 11}
